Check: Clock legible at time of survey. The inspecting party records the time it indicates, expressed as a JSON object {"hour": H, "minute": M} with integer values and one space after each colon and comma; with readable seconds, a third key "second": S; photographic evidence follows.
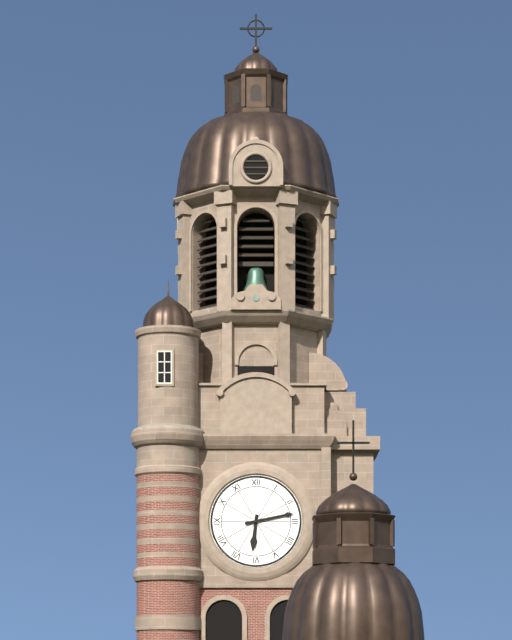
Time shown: {"hour": 6, "minute": 13}
